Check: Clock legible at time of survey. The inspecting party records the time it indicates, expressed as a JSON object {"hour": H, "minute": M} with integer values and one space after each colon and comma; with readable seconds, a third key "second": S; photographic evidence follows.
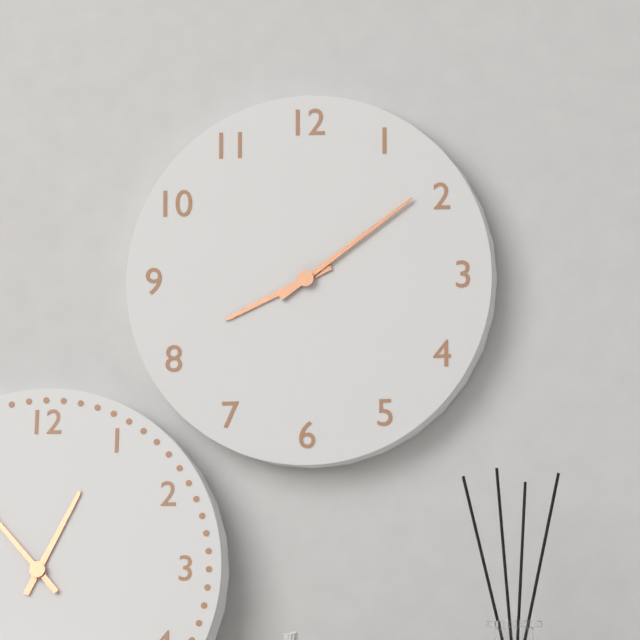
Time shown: {"hour": 8, "minute": 9}
